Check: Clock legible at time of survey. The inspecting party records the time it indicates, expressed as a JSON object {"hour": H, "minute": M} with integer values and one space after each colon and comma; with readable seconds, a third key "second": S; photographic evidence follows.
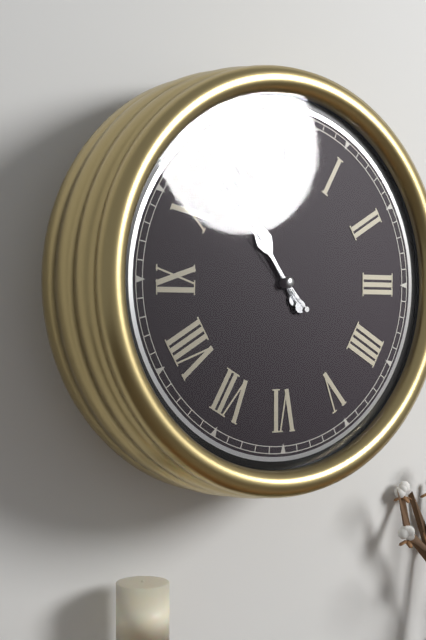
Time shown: {"hour": 10, "minute": 54, "second": 53}
